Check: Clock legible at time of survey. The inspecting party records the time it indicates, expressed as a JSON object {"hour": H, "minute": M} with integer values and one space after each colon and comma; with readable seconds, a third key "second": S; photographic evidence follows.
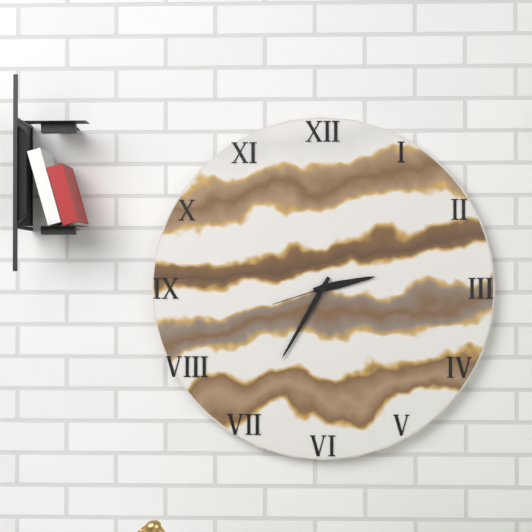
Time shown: {"hour": 2, "minute": 35, "second": 42}
